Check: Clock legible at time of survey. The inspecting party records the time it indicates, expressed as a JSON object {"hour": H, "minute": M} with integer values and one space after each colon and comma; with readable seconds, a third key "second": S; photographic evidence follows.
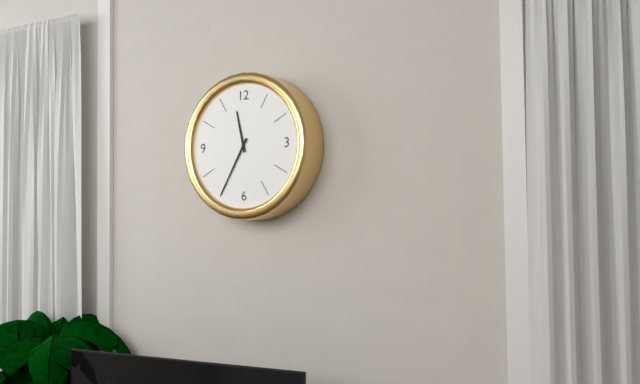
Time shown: {"hour": 11, "minute": 35}
